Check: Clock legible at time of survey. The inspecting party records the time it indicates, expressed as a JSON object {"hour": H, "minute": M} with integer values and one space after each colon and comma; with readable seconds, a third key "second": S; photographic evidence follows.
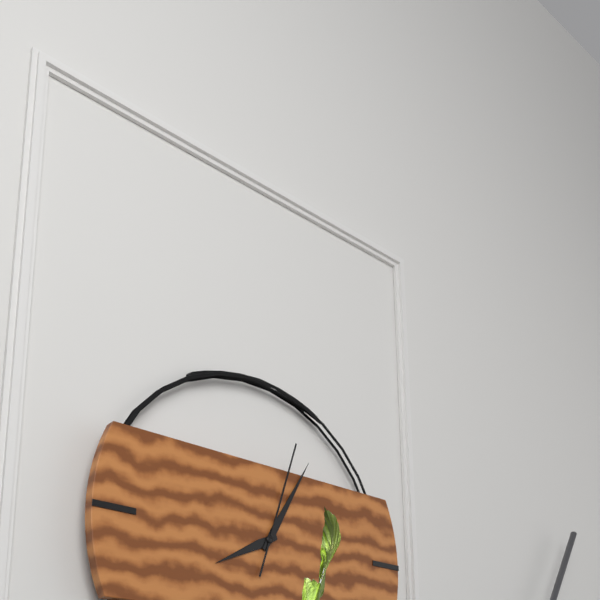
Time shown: {"hour": 8, "minute": 5, "second": 3}
